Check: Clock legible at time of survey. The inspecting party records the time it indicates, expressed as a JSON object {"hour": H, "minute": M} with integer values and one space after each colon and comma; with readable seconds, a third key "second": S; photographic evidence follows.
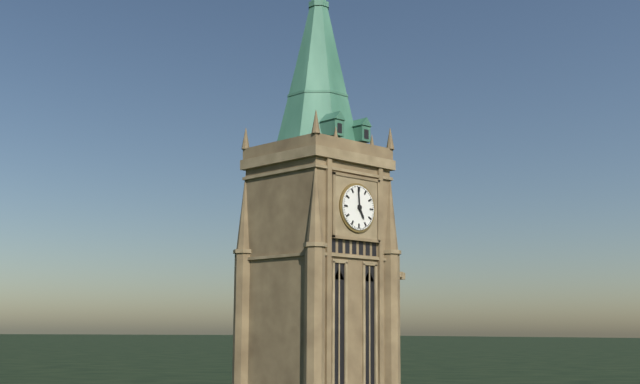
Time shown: {"hour": 4, "minute": 59}
